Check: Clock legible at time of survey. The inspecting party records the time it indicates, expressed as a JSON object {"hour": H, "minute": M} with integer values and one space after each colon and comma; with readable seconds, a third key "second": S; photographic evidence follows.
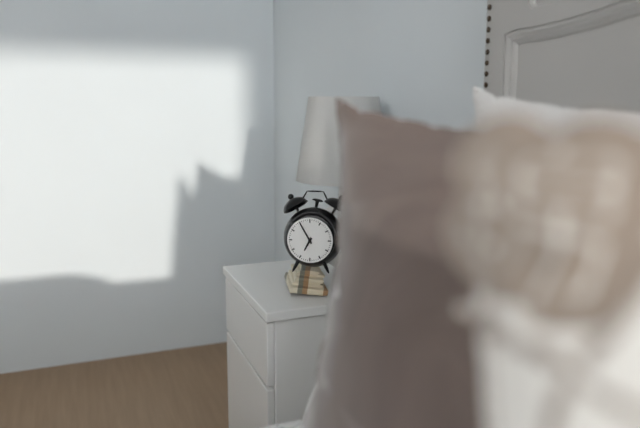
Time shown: {"hour": 6, "minute": 55}
